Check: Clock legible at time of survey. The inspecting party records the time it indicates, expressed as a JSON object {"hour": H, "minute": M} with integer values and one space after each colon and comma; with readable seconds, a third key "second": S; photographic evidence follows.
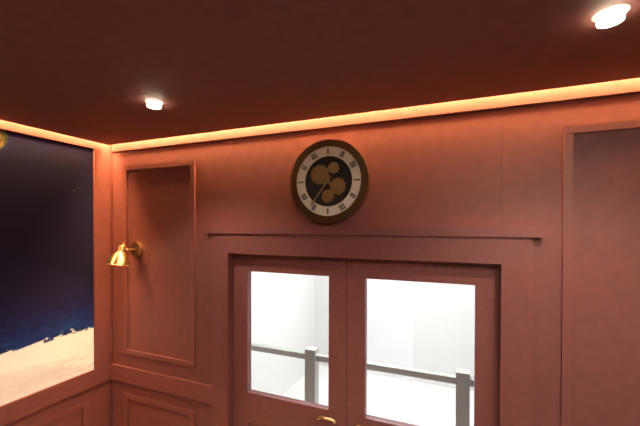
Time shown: {"hour": 4, "minute": 36}
